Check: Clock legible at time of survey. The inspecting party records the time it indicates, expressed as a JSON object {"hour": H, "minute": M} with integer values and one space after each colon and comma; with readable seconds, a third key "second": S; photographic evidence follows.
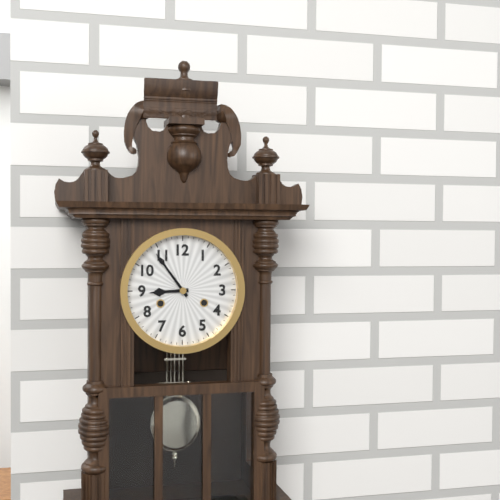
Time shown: {"hour": 8, "minute": 54}
